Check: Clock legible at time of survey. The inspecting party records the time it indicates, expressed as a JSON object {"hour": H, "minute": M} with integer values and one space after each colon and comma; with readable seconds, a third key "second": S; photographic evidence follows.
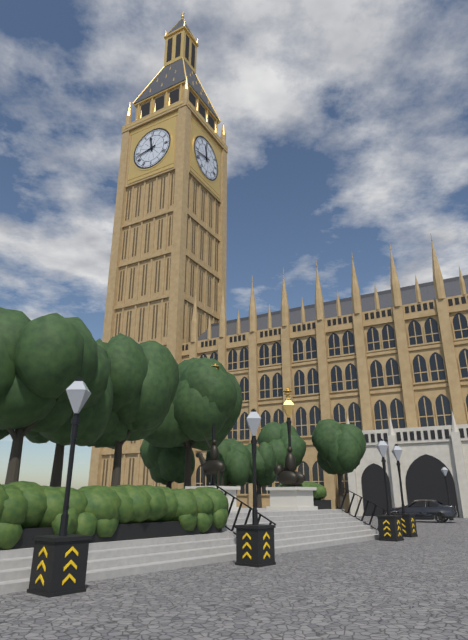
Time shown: {"hour": 11, "minute": 43}
